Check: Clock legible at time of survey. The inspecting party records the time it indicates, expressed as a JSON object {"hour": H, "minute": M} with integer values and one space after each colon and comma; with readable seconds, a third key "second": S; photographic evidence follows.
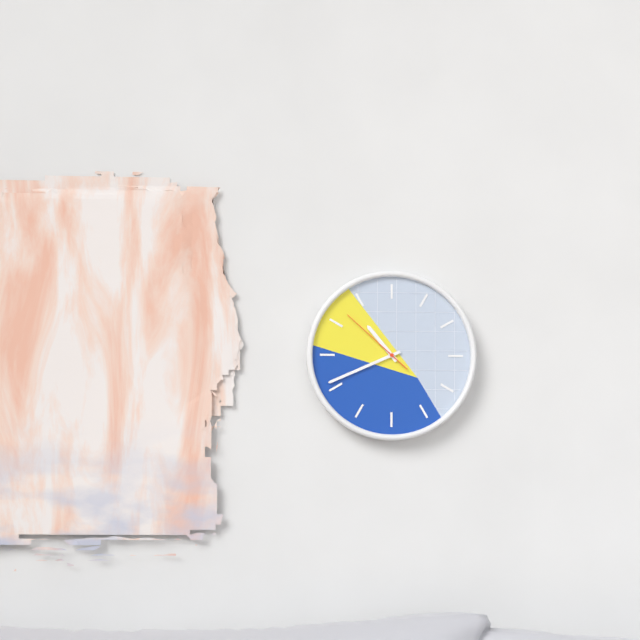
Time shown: {"hour": 10, "minute": 41, "second": 52}
